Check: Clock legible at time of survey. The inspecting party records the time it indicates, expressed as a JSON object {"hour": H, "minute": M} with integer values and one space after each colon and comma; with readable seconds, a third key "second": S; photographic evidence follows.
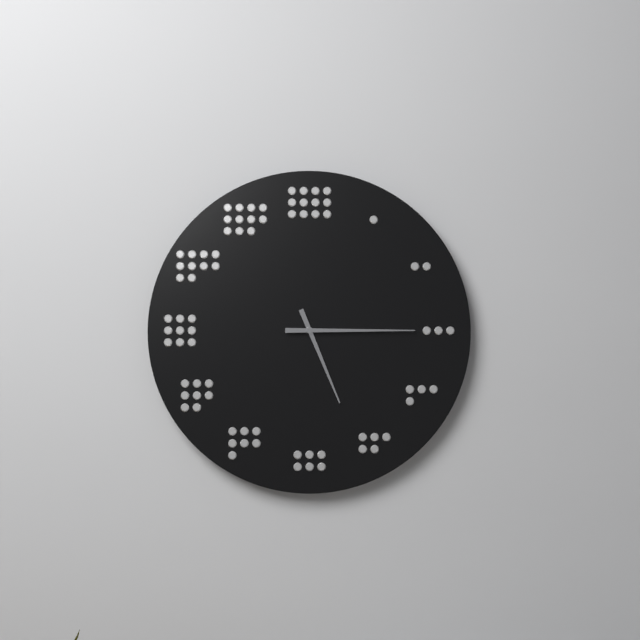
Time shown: {"hour": 5, "minute": 15}
